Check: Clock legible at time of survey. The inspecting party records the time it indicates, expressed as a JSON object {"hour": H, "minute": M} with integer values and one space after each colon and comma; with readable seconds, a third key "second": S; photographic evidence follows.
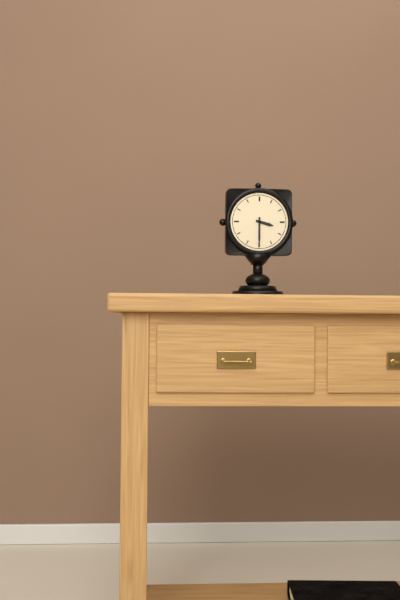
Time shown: {"hour": 3, "minute": 30}
